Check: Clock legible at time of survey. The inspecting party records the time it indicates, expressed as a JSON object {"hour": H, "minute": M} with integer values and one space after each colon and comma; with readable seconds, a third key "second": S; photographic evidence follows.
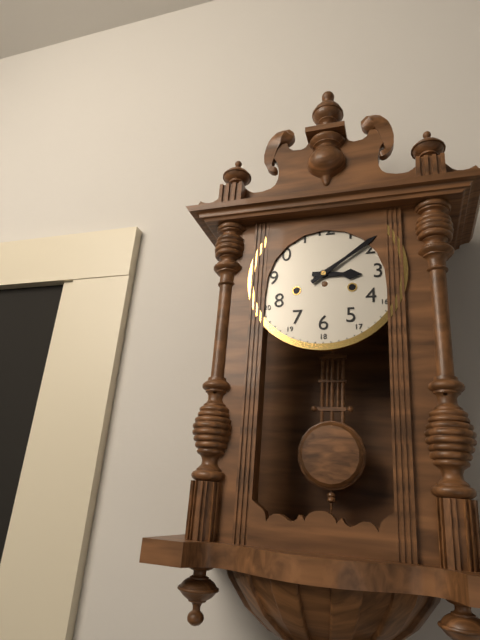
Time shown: {"hour": 3, "minute": 9}
